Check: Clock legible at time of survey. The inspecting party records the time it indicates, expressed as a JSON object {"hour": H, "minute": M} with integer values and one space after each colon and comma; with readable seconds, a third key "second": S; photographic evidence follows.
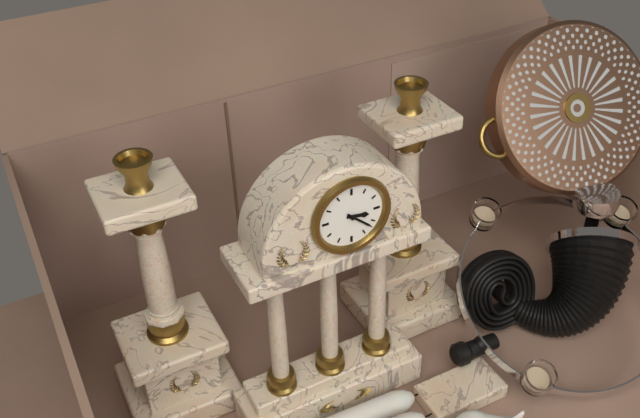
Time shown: {"hour": 3, "minute": 22}
